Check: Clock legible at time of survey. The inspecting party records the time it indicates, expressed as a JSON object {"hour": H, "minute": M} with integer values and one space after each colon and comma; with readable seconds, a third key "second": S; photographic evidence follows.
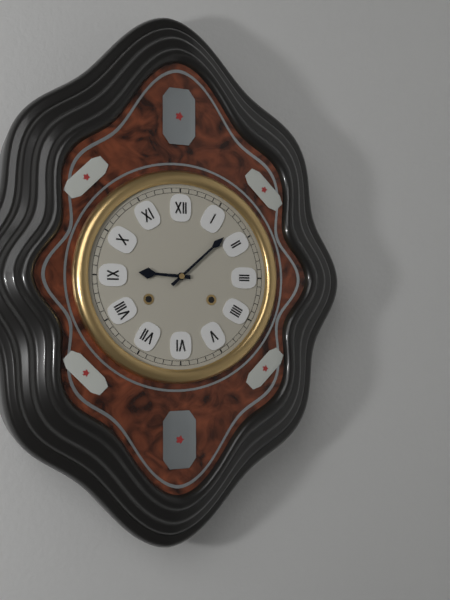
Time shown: {"hour": 9, "minute": 8}
